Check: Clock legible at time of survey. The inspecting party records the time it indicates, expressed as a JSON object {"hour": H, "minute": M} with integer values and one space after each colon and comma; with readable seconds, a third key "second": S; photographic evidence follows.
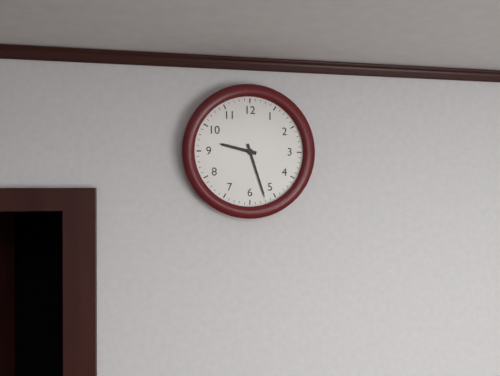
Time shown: {"hour": 9, "minute": 27}
